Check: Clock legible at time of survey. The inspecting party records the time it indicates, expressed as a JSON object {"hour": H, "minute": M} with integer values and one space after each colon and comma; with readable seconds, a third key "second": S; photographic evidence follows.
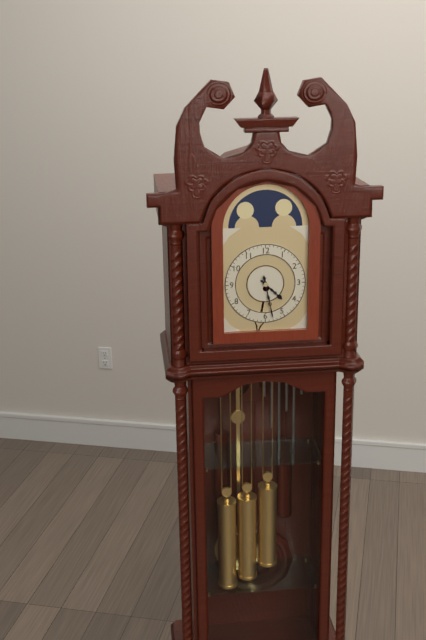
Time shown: {"hour": 4, "minute": 28}
